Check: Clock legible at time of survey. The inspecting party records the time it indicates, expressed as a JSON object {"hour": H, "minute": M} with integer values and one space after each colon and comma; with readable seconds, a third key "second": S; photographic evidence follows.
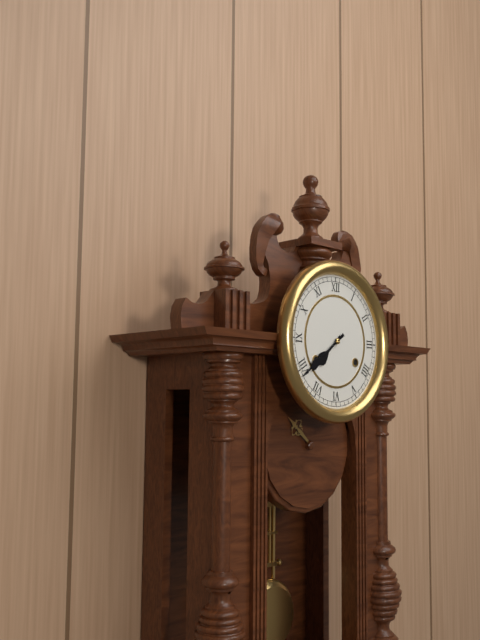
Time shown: {"hour": 7, "minute": 39}
